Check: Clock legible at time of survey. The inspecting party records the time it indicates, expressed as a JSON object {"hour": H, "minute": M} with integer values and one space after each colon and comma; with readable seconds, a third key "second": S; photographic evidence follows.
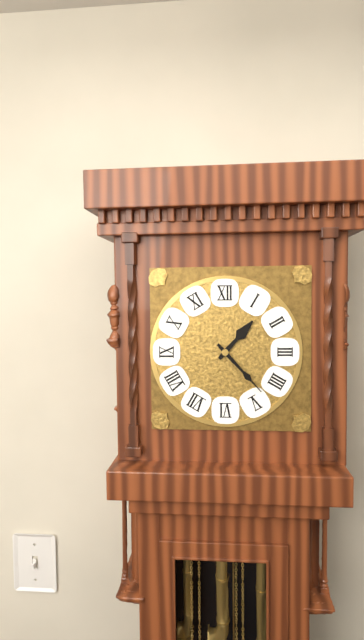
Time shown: {"hour": 1, "minute": 23}
